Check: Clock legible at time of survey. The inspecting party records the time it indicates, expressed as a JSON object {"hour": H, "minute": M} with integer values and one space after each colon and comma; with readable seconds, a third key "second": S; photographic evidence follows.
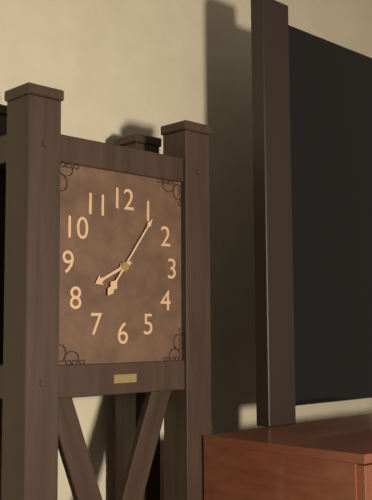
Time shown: {"hour": 8, "minute": 6}
